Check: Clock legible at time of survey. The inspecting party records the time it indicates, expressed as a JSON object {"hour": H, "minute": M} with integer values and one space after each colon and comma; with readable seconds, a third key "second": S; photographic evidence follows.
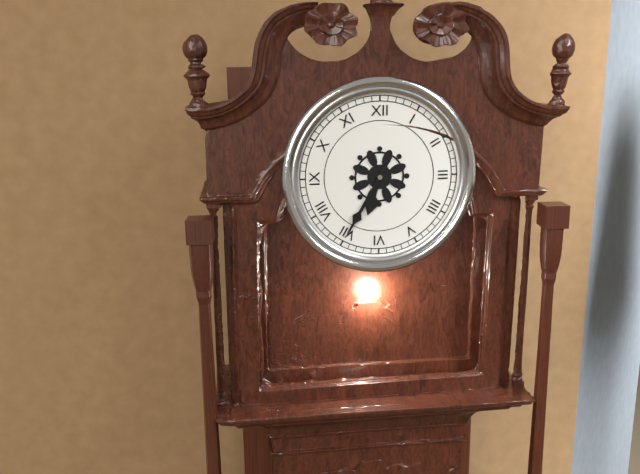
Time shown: {"hour": 6, "minute": 35}
